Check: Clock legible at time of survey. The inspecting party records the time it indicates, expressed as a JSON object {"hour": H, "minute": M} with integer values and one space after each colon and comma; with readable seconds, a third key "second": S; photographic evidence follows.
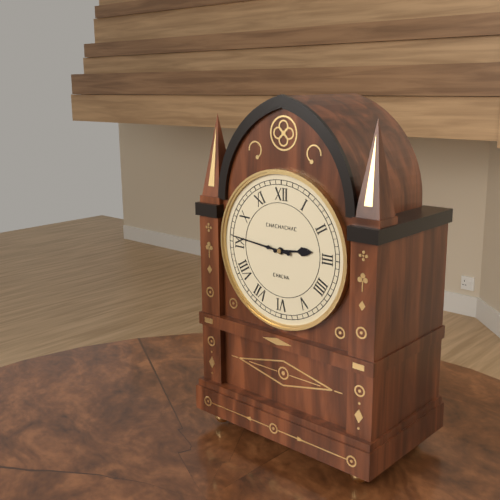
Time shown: {"hour": 2, "minute": 46}
